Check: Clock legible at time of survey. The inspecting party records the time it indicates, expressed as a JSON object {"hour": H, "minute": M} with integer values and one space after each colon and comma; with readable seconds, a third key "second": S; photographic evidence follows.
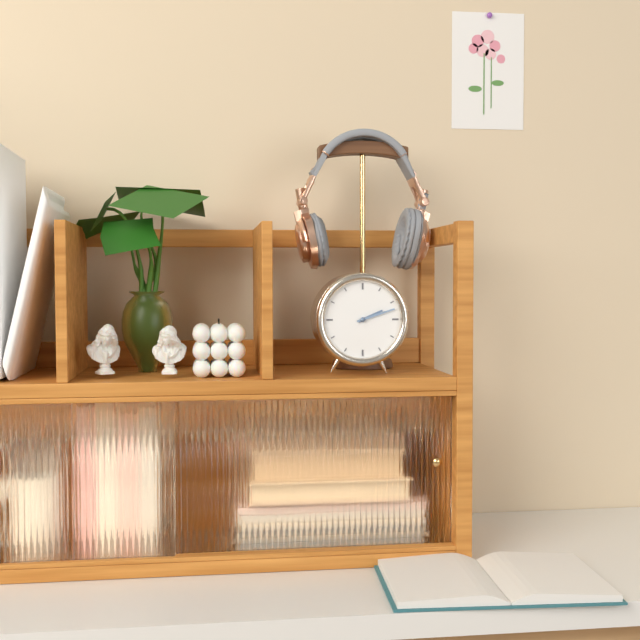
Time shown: {"hour": 2, "minute": 12}
